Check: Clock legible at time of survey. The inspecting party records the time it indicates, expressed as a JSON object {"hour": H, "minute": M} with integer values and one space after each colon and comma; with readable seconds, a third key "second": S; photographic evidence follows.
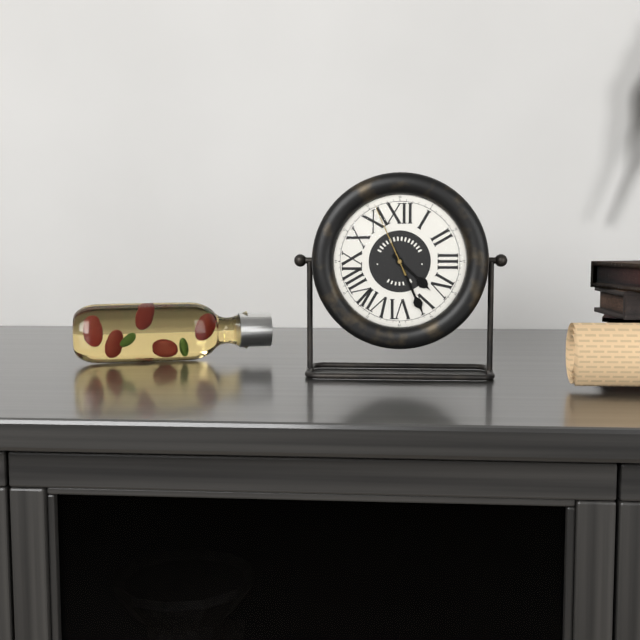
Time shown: {"hour": 4, "minute": 26, "second": 56}
